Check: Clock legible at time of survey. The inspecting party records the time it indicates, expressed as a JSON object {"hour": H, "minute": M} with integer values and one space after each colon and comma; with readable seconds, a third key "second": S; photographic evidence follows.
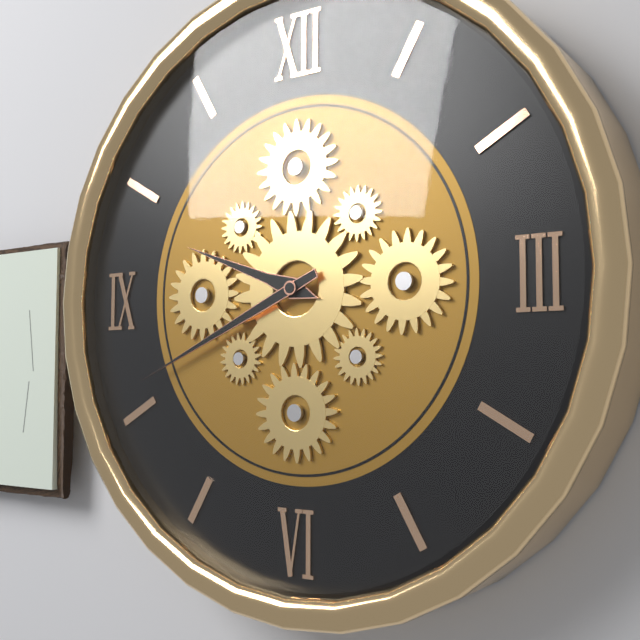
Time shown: {"hour": 9, "minute": 41}
